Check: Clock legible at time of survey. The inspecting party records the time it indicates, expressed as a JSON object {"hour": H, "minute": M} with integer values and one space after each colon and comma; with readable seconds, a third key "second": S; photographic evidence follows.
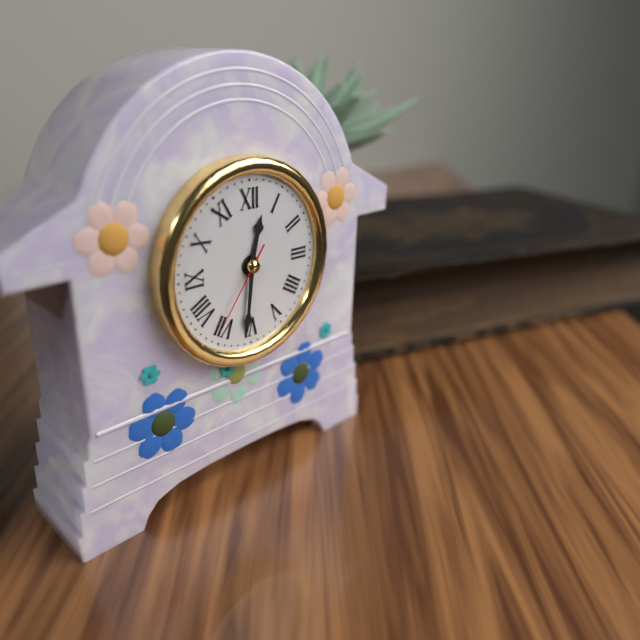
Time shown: {"hour": 12, "minute": 31, "second": 36}
